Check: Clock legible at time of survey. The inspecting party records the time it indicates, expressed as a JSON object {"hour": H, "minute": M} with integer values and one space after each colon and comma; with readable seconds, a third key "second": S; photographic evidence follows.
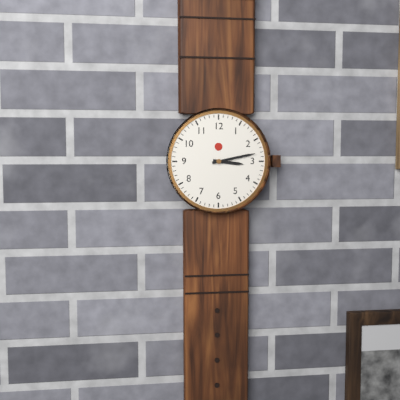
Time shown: {"hour": 3, "minute": 13}
